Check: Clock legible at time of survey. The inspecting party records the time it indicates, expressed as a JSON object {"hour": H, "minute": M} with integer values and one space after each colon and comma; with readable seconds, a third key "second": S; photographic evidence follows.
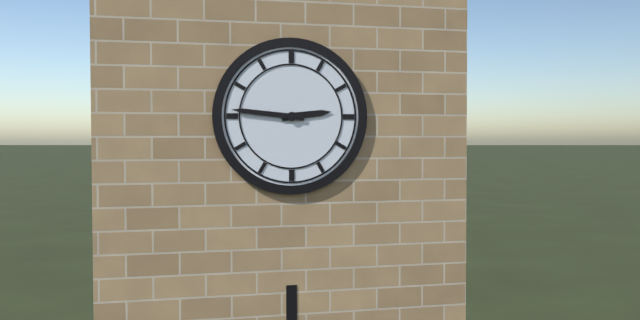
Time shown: {"hour": 2, "minute": 46}
